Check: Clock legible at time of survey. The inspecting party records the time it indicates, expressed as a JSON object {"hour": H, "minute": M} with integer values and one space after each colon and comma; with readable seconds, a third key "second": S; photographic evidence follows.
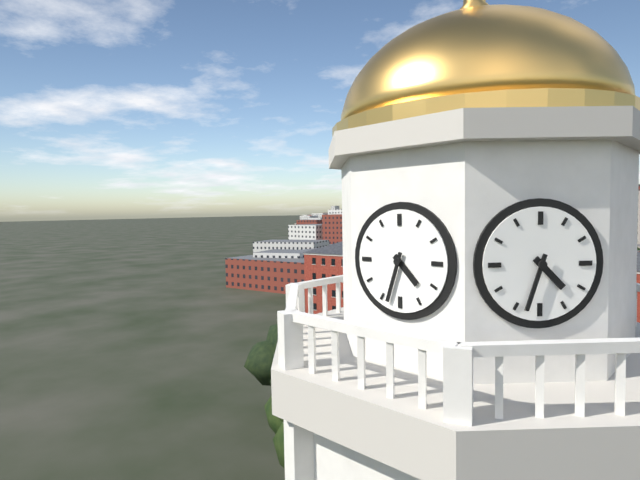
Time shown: {"hour": 4, "minute": 33}
